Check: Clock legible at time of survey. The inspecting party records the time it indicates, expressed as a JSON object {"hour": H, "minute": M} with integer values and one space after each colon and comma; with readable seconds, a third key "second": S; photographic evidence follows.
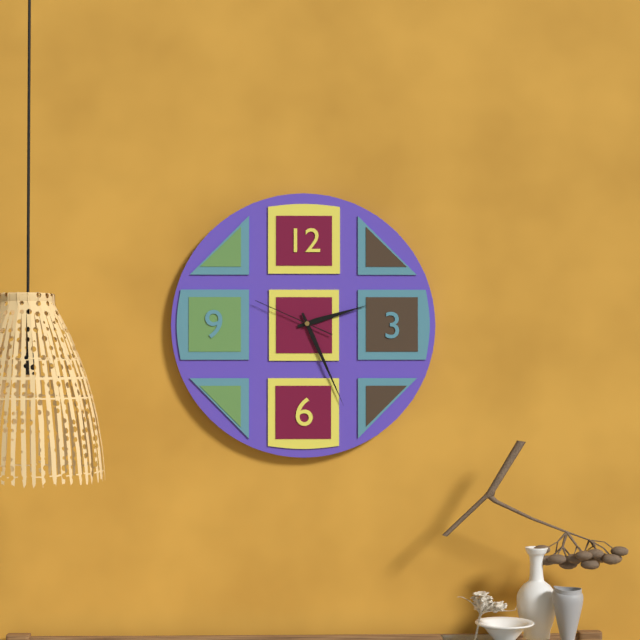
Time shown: {"hour": 2, "minute": 26, "second": 49}
